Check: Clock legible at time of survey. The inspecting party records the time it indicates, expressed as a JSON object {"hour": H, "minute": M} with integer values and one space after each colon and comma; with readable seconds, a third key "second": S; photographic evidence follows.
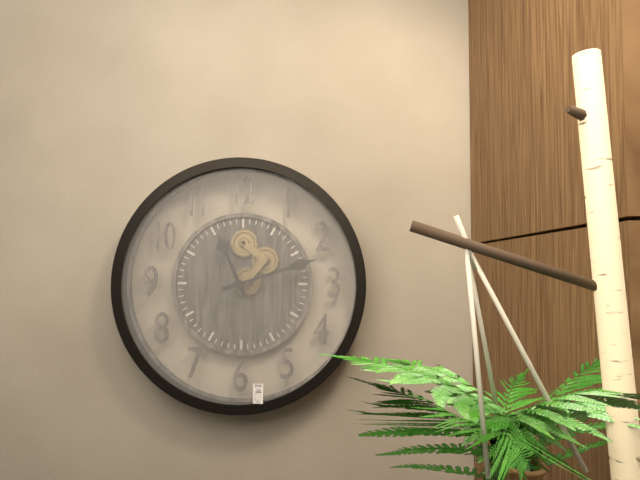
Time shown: {"hour": 11, "minute": 12}
